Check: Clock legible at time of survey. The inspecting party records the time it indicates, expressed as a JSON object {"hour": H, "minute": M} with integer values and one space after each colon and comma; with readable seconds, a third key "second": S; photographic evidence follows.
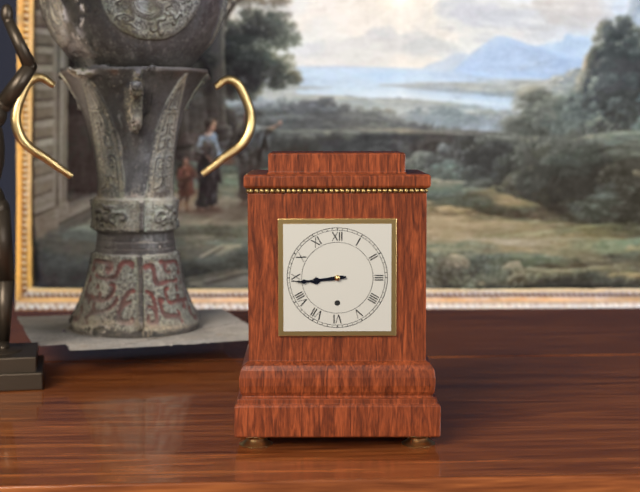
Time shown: {"hour": 8, "minute": 44}
